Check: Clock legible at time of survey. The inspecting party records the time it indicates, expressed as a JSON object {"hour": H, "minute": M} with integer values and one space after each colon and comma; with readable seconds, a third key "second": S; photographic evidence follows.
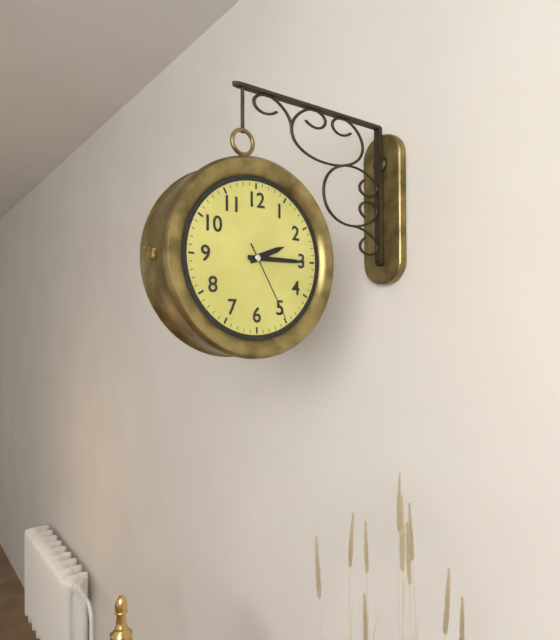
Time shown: {"hour": 2, "minute": 15, "second": 25}
